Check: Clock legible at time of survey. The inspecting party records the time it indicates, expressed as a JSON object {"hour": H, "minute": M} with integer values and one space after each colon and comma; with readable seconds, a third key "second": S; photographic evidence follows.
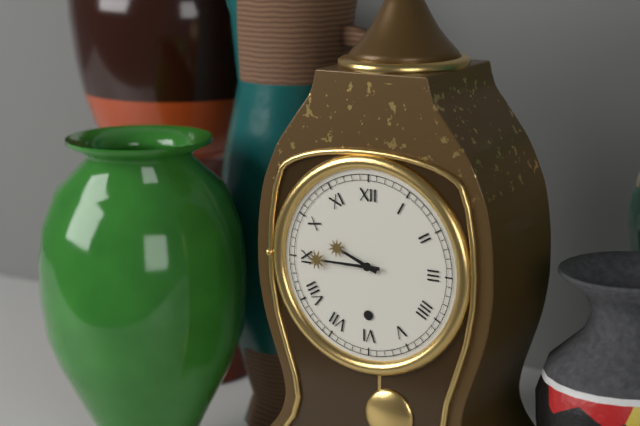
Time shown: {"hour": 9, "minute": 45}
